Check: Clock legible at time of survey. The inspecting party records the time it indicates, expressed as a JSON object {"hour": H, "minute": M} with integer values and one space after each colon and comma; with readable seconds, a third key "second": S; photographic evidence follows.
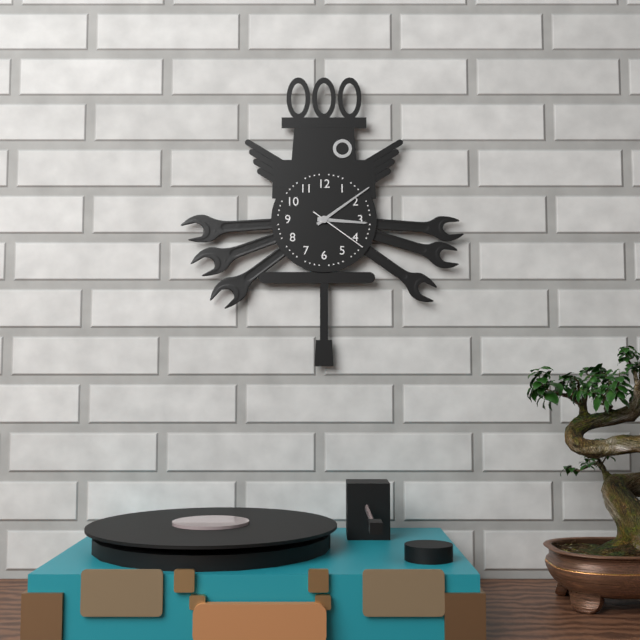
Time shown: {"hour": 3, "minute": 9, "second": 21}
